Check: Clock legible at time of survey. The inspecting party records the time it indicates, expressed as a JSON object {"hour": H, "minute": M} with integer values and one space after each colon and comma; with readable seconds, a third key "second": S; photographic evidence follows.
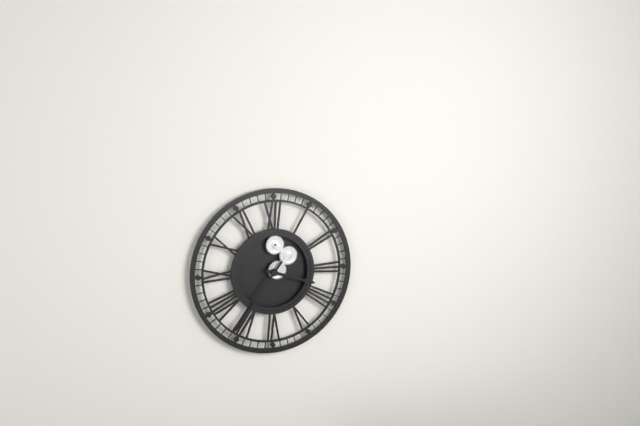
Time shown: {"hour": 3, "minute": 36}
